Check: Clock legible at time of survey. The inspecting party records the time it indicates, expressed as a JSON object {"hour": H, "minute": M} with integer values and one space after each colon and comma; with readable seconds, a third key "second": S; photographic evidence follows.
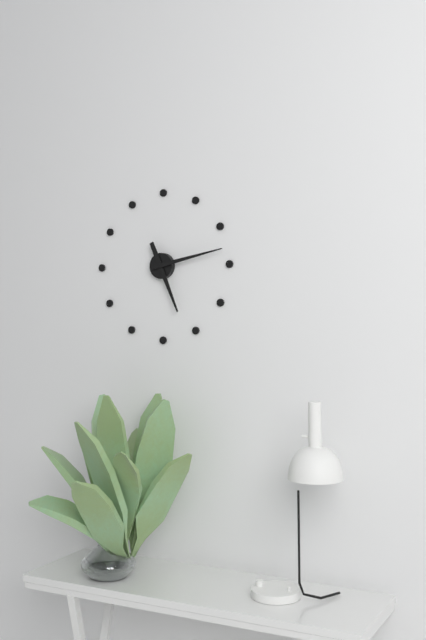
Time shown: {"hour": 5, "minute": 13}
